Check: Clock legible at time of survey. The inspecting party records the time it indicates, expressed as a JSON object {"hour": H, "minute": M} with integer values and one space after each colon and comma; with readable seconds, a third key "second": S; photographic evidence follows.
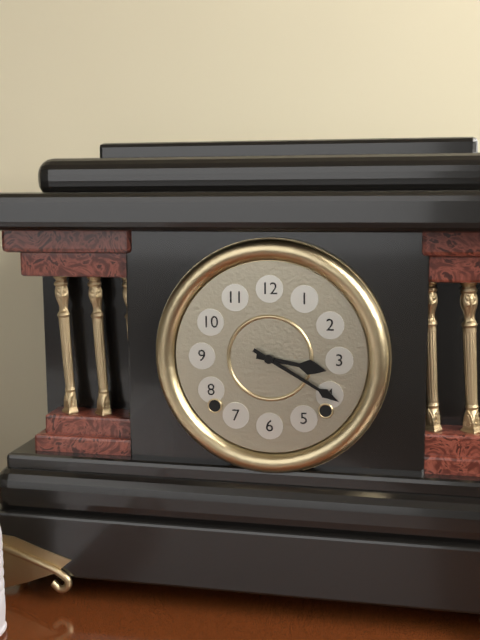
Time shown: {"hour": 3, "minute": 20}
